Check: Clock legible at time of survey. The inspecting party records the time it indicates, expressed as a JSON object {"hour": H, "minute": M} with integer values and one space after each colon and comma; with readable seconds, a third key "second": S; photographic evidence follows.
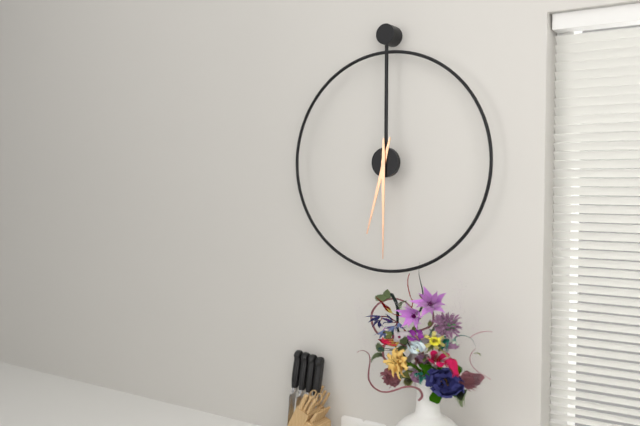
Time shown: {"hour": 6, "minute": 30}
